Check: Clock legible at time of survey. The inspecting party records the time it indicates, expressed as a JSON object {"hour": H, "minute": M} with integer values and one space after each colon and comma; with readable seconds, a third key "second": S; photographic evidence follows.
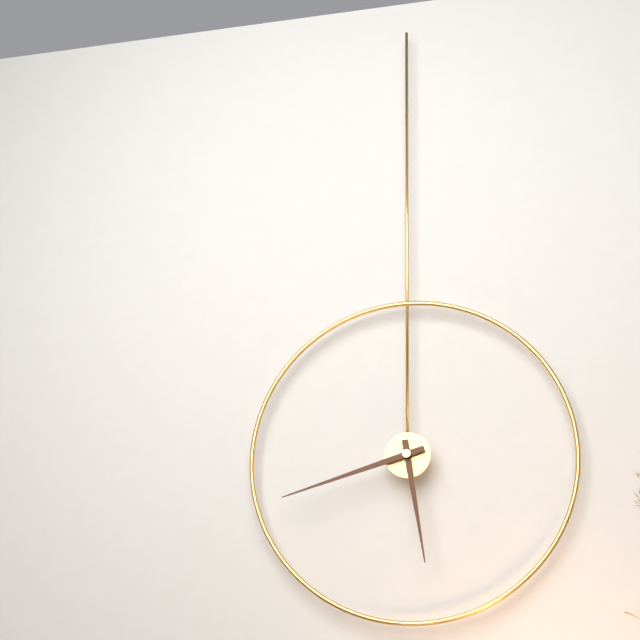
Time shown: {"hour": 5, "minute": 42}
